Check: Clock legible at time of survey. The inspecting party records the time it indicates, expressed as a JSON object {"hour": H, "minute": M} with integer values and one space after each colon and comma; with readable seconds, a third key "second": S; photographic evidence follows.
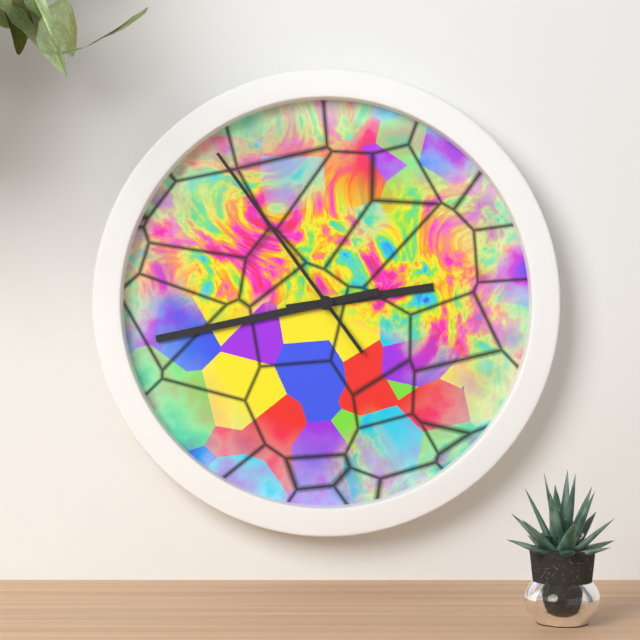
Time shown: {"hour": 2, "minute": 43, "second": 54}
